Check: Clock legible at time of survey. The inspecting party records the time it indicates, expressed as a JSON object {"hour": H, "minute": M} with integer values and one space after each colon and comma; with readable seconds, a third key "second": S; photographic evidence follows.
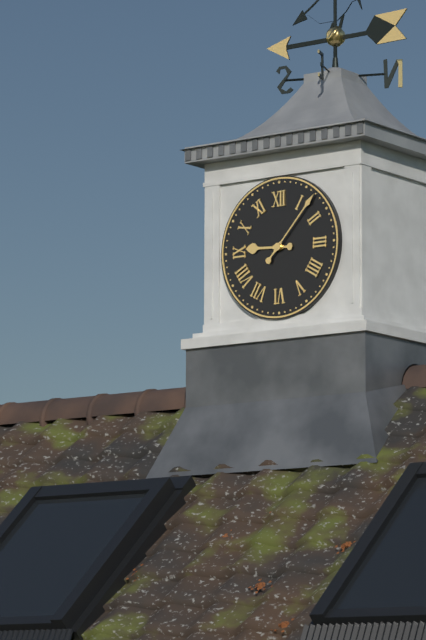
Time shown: {"hour": 9, "minute": 7}
